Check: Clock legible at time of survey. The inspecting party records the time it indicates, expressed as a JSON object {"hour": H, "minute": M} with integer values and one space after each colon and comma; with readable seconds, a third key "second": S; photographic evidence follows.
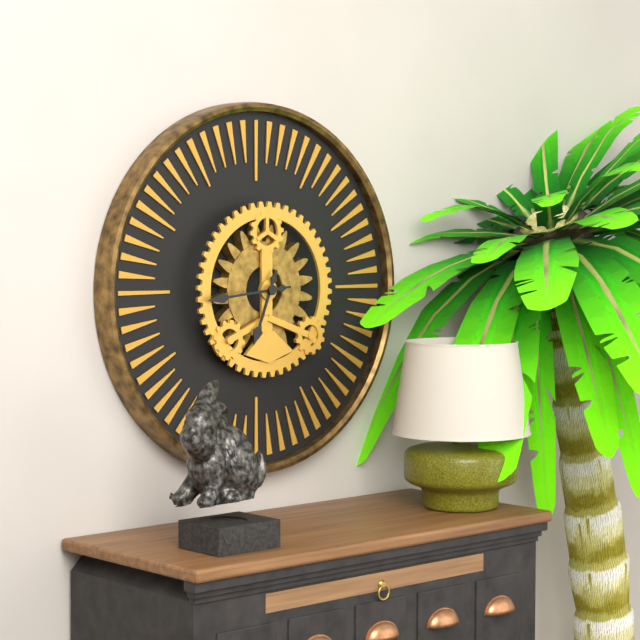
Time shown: {"hour": 6, "minute": 44}
